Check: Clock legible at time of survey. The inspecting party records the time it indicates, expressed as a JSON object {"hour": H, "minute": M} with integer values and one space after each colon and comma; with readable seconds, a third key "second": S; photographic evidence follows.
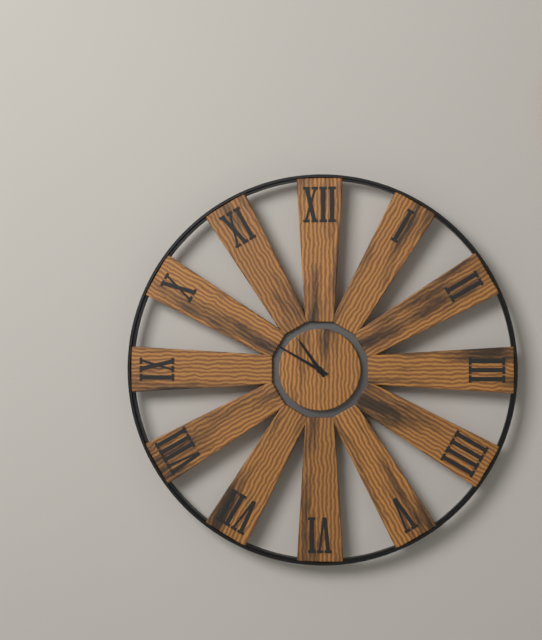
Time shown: {"hour": 10, "minute": 50}
